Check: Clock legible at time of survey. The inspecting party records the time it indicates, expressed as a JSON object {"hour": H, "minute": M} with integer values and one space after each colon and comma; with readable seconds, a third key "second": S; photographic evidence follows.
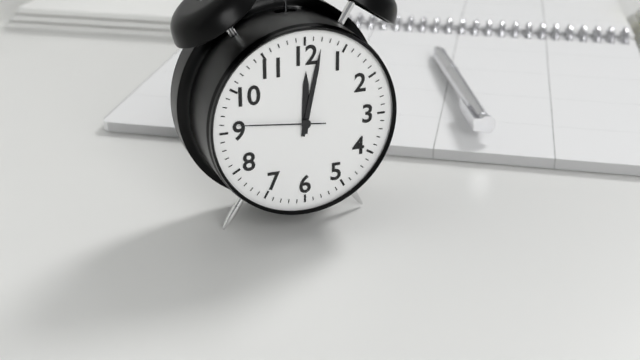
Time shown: {"hour": 12, "minute": 2, "second": 46}
